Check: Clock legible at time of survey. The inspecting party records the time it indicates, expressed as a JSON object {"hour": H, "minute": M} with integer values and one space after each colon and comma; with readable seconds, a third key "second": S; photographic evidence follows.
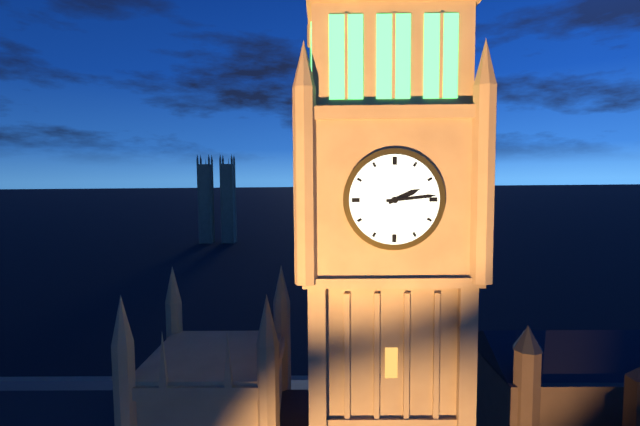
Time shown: {"hour": 2, "minute": 14}
